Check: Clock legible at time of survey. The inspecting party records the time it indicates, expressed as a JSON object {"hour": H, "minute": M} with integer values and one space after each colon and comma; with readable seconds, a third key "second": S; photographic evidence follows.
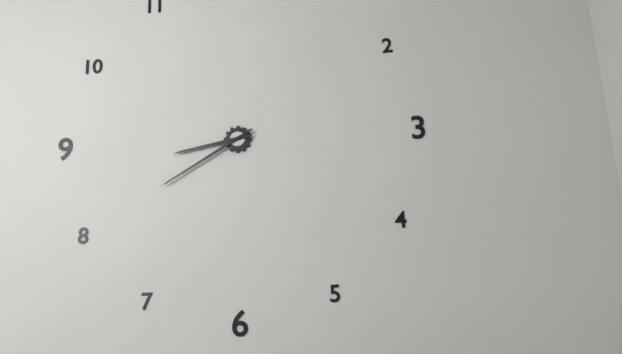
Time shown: {"hour": 8, "minute": 40}
